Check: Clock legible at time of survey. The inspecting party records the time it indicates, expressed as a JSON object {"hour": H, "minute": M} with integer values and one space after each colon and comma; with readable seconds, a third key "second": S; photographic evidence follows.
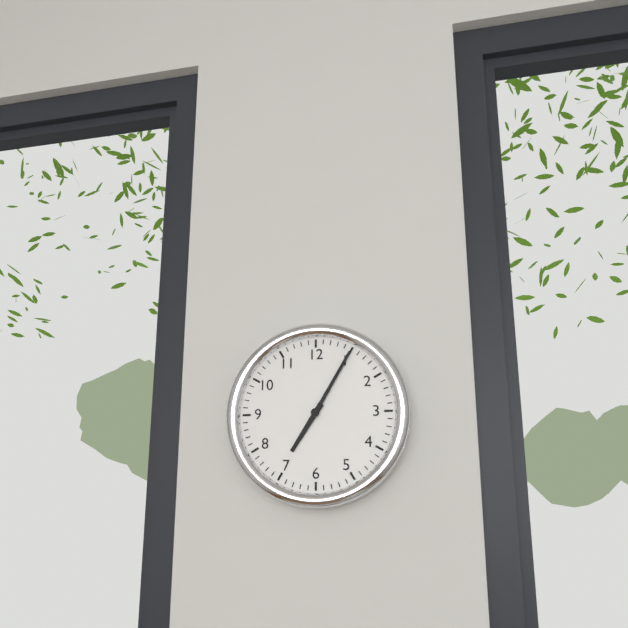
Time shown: {"hour": 7, "minute": 5}
